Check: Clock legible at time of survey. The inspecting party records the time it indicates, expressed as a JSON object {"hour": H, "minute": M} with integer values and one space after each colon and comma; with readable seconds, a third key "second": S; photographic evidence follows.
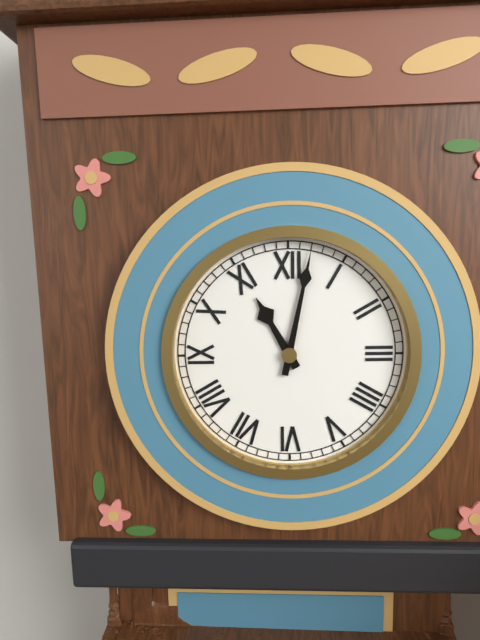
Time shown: {"hour": 11, "minute": 2}
